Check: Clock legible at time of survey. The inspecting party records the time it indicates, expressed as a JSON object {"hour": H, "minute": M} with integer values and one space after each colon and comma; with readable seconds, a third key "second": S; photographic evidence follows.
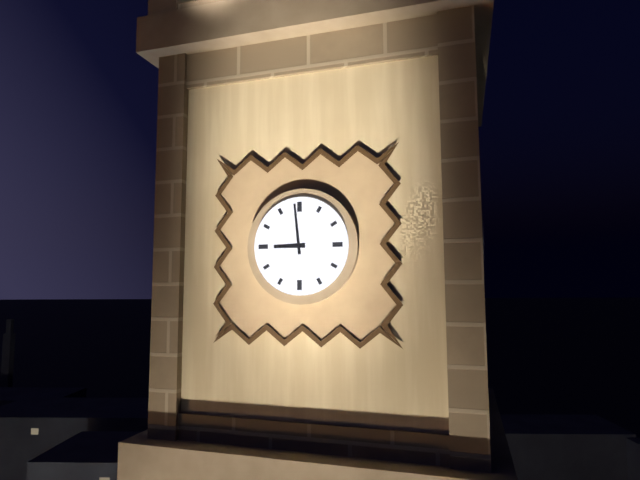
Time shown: {"hour": 8, "minute": 59}
